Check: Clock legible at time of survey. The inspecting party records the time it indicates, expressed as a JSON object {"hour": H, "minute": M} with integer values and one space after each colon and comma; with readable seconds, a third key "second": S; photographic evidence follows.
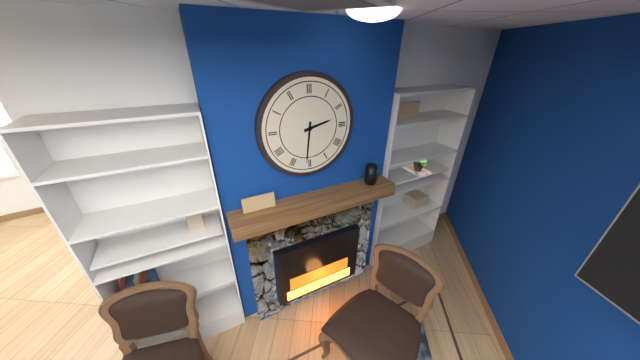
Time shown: {"hour": 2, "minute": 31}
